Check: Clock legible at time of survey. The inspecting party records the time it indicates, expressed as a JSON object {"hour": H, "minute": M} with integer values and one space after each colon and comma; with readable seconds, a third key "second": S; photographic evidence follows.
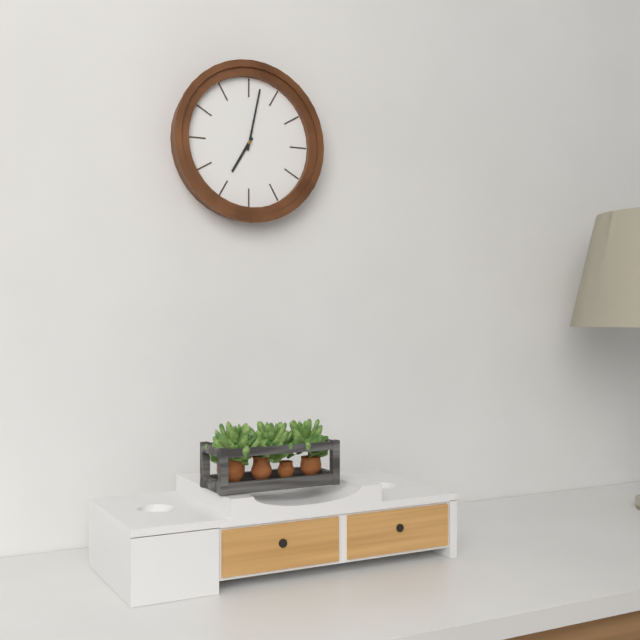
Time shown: {"hour": 7, "minute": 2}
